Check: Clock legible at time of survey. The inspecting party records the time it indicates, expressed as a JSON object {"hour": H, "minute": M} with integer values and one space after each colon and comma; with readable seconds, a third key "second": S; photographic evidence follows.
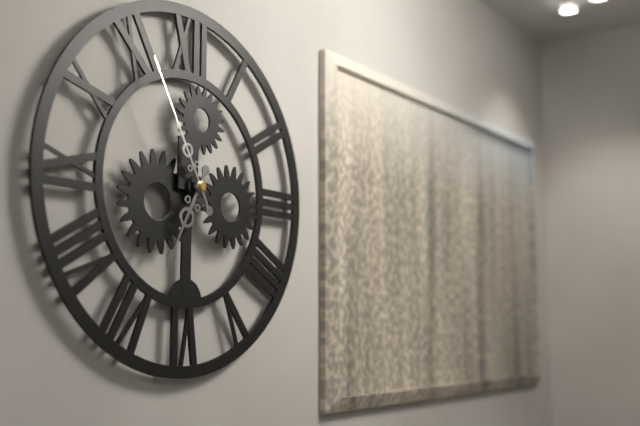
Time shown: {"hour": 6, "minute": 55}
